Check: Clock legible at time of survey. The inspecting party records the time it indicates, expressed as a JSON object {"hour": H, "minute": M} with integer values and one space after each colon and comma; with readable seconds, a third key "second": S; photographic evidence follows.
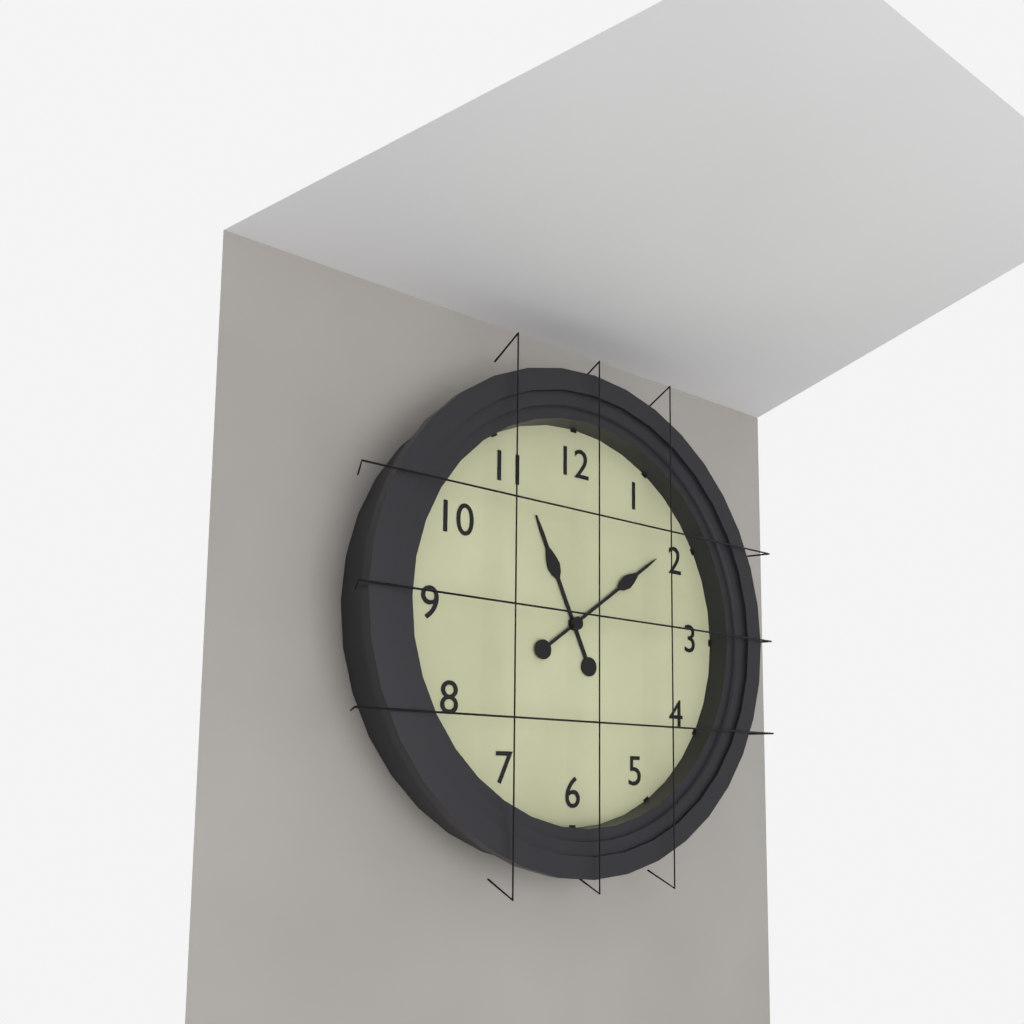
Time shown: {"hour": 11, "minute": 9}
